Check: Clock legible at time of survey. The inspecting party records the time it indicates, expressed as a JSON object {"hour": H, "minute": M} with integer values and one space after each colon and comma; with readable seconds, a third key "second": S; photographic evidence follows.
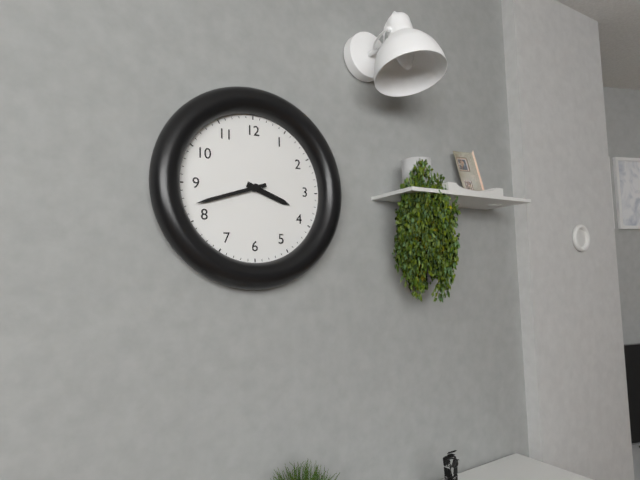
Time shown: {"hour": 3, "minute": 42}
